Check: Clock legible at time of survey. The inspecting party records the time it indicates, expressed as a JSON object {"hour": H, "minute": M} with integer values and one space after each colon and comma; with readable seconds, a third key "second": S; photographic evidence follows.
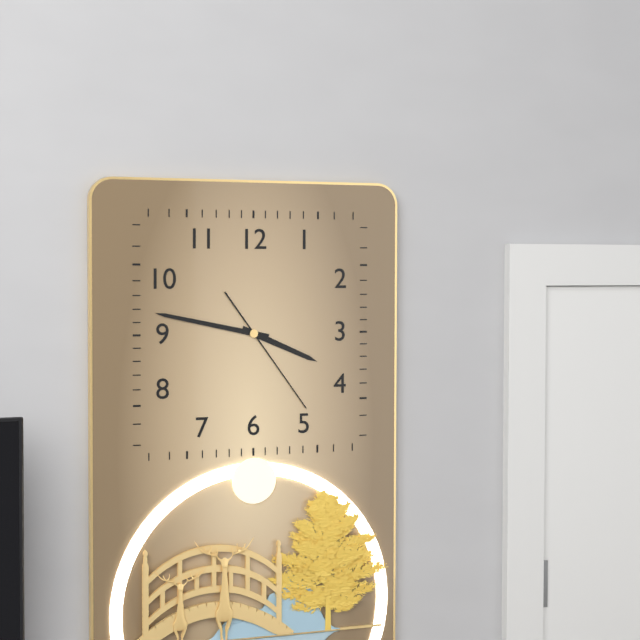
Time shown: {"hour": 3, "minute": 47, "second": 24}
